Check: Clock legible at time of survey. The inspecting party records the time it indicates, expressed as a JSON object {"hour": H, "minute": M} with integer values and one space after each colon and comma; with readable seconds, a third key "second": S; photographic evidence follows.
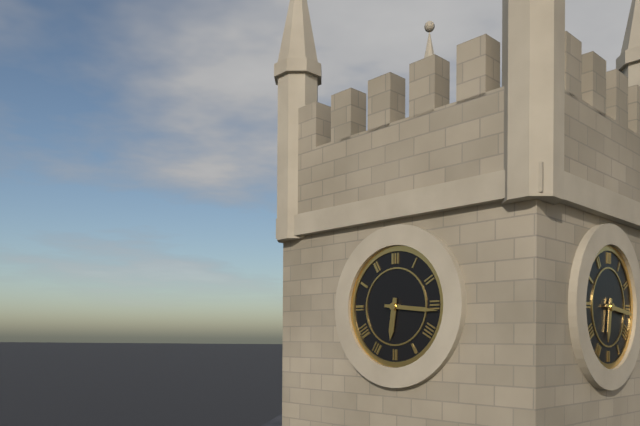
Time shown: {"hour": 6, "minute": 16}
